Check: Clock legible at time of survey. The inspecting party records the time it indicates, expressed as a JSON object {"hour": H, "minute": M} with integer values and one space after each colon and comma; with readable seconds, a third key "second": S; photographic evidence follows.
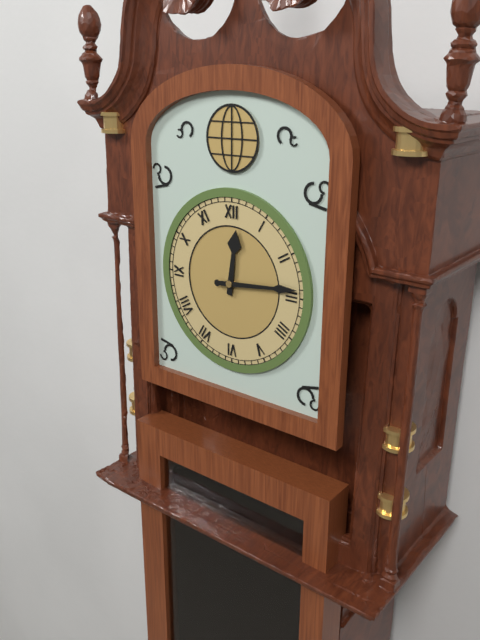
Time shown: {"hour": 12, "minute": 14}
